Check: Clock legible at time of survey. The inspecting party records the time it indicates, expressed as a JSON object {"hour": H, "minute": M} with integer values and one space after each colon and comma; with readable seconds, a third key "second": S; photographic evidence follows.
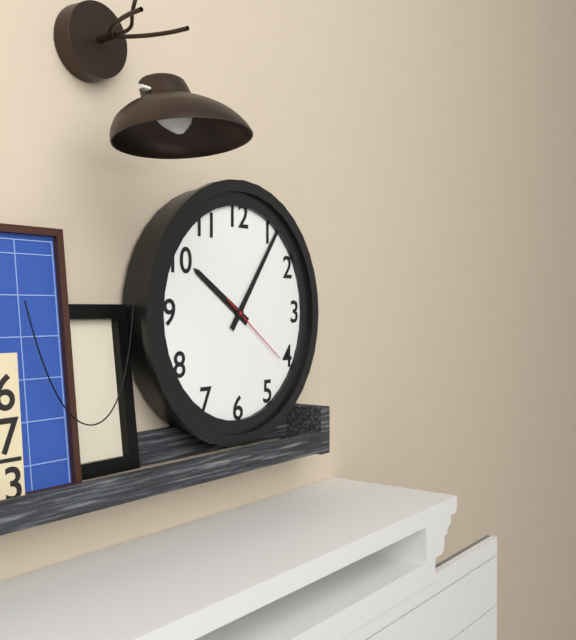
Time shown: {"hour": 10, "minute": 6, "second": 21}
